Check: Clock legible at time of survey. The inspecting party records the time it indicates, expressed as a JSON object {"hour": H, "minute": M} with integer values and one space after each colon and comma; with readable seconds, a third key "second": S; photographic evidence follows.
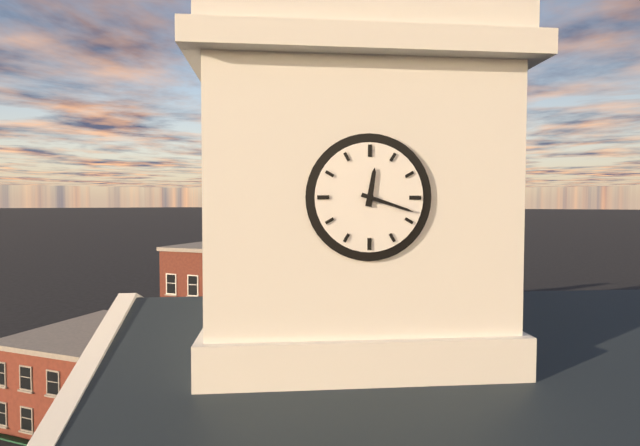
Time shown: {"hour": 12, "minute": 18}
